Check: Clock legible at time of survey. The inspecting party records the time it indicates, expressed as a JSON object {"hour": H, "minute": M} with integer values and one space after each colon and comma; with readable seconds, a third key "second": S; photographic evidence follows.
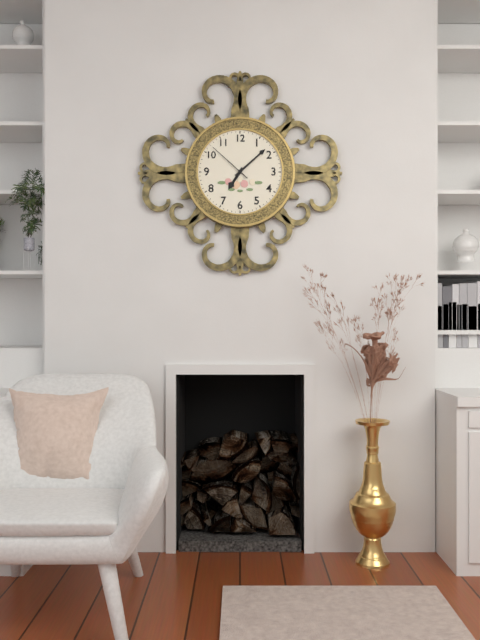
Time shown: {"hour": 7, "minute": 8}
